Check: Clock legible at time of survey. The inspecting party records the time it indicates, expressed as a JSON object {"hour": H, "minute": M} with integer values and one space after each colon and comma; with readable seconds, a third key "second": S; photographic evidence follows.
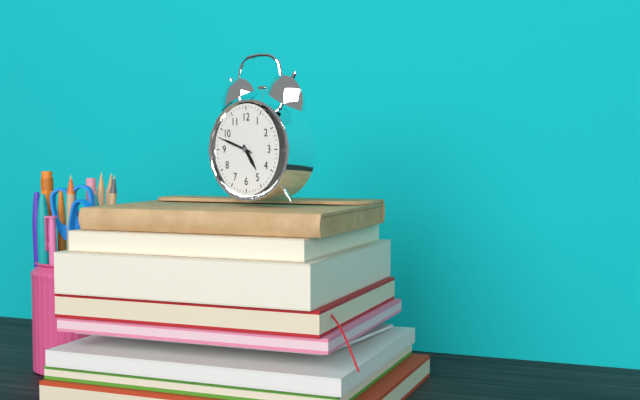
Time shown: {"hour": 4, "minute": 48}
